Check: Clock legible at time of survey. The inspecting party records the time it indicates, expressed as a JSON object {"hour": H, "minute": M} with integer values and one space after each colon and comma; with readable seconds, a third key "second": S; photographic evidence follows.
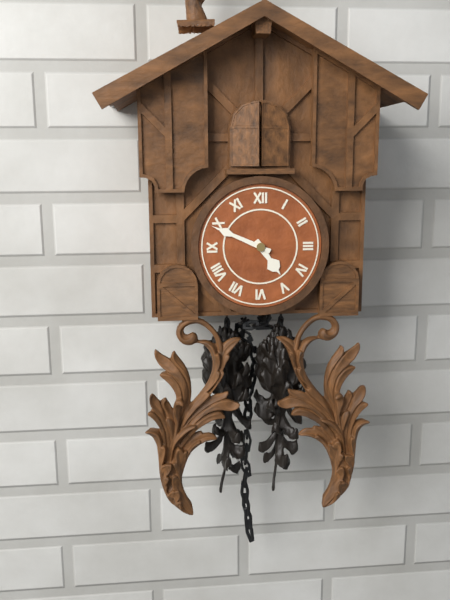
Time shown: {"hour": 4, "minute": 49}
